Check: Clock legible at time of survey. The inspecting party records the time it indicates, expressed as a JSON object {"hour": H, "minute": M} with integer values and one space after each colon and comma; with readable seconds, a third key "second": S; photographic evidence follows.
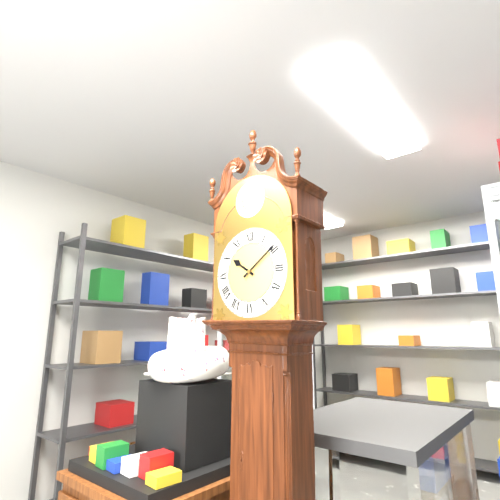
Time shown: {"hour": 10, "minute": 9}
